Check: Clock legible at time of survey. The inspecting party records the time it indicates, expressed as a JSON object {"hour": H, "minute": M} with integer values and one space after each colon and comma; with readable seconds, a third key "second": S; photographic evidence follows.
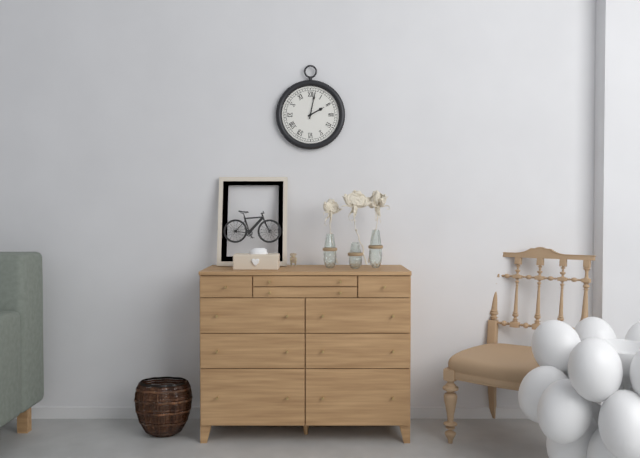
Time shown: {"hour": 2, "minute": 2}
